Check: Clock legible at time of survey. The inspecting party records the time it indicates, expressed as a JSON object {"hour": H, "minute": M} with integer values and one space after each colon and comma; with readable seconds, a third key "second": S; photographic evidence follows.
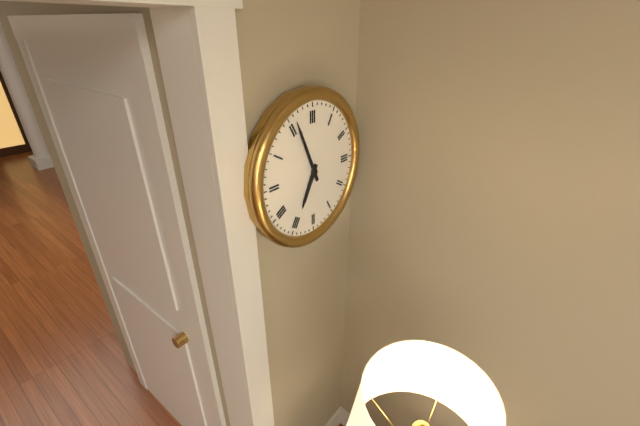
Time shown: {"hour": 6, "minute": 56}
